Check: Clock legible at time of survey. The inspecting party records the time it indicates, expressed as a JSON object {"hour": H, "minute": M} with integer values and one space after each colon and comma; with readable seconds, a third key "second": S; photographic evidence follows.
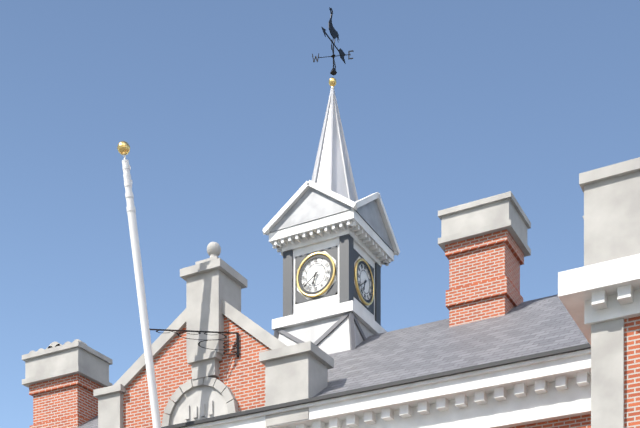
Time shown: {"hour": 6, "minute": 39}
